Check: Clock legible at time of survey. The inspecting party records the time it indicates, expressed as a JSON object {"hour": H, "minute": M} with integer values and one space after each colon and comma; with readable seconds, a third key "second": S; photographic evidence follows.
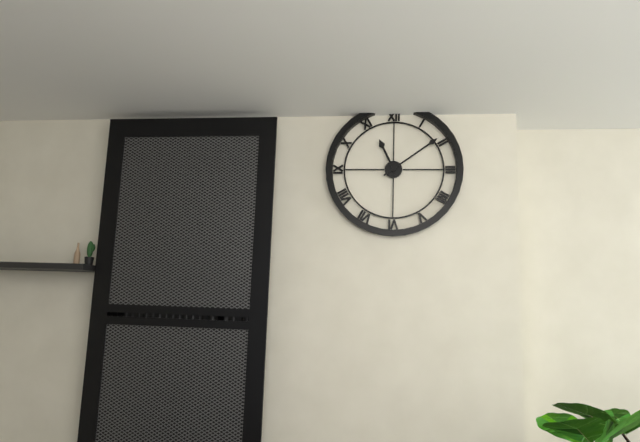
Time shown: {"hour": 11, "minute": 9}
